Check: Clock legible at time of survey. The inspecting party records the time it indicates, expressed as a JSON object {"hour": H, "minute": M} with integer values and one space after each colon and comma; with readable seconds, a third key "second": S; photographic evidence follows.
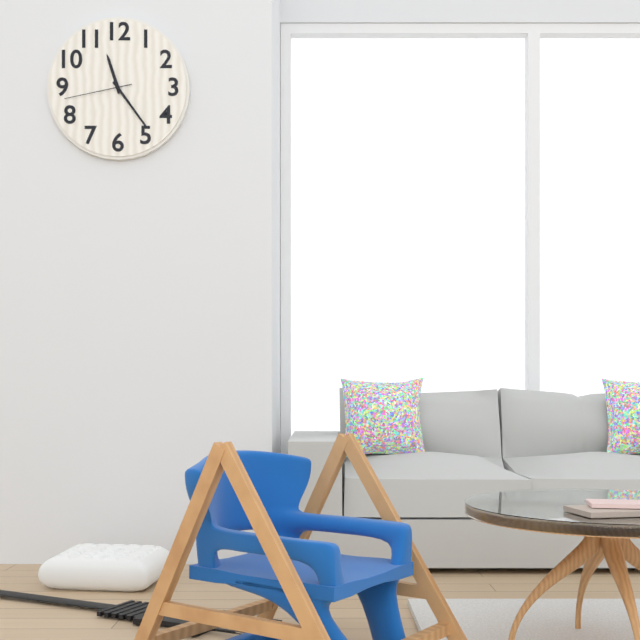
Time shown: {"hour": 11, "minute": 24, "second": 43}
